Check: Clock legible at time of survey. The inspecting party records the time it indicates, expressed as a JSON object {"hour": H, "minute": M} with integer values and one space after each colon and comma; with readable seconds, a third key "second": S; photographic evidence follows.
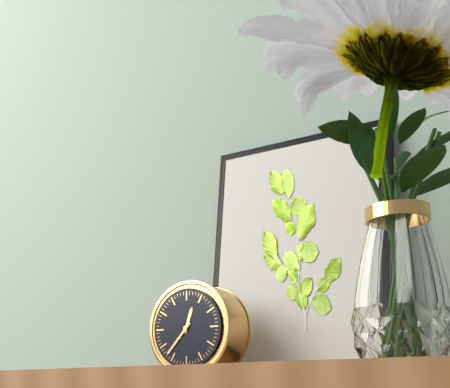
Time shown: {"hour": 12, "minute": 37}
